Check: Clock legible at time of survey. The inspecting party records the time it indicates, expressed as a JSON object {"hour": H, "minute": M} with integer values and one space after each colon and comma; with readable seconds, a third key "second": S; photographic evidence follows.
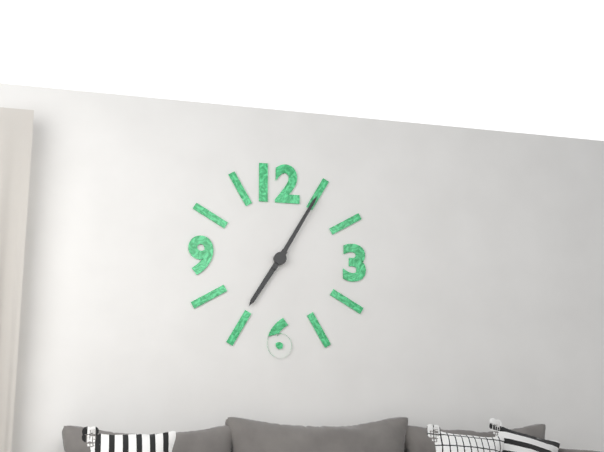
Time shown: {"hour": 7, "minute": 5}
